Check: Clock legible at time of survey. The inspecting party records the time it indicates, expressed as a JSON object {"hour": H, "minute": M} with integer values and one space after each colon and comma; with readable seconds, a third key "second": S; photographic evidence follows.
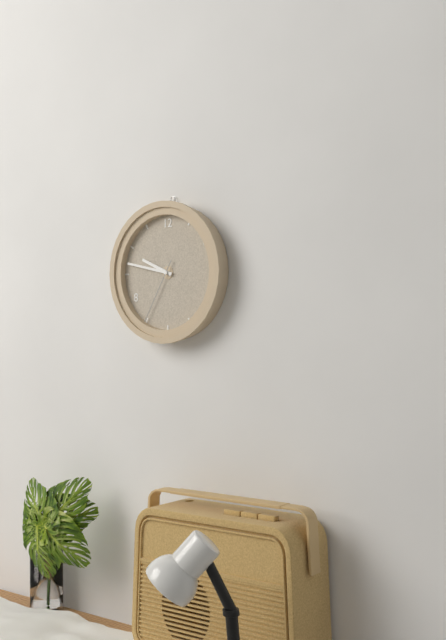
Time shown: {"hour": 9, "minute": 47, "second": 35}
